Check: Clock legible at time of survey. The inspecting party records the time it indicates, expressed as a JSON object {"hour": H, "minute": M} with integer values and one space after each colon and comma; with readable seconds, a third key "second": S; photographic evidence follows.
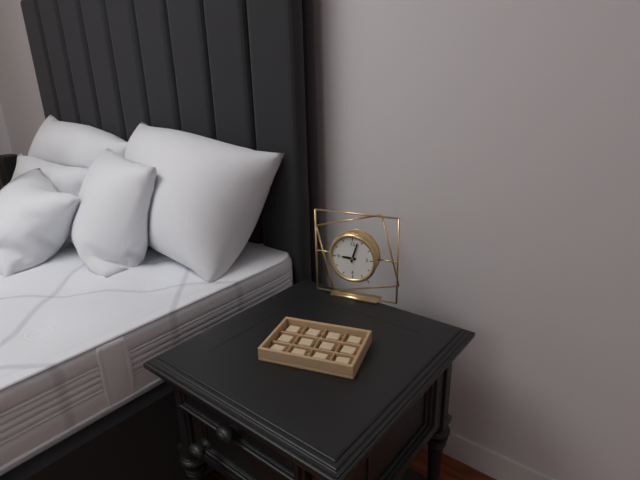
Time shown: {"hour": 9, "minute": 3}
